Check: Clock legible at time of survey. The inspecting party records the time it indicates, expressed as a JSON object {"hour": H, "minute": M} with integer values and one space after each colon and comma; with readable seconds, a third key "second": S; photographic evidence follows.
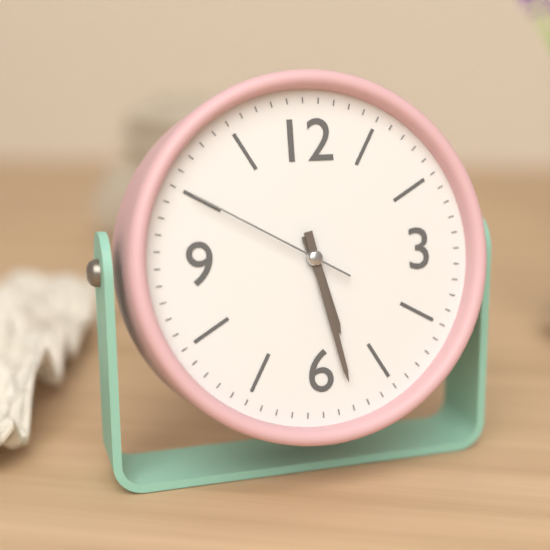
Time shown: {"hour": 5, "minute": 28, "second": 50}
